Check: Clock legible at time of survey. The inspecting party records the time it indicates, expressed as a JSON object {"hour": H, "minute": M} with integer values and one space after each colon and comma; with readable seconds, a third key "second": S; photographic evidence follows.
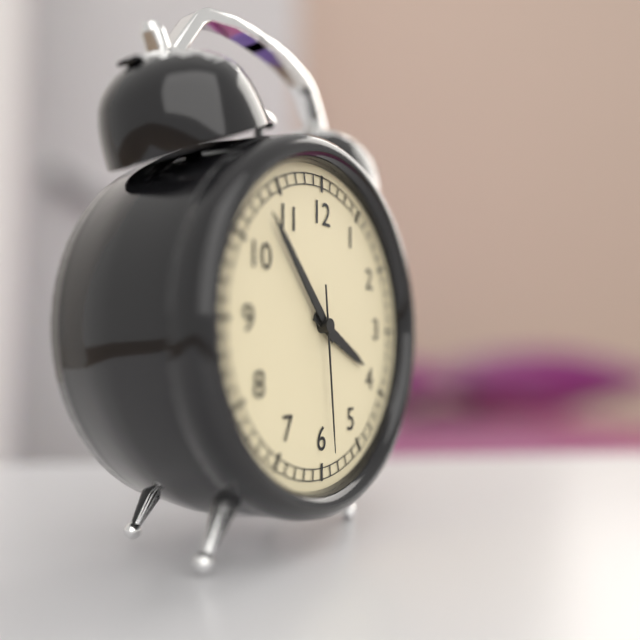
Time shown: {"hour": 3, "minute": 53, "second": 29}
